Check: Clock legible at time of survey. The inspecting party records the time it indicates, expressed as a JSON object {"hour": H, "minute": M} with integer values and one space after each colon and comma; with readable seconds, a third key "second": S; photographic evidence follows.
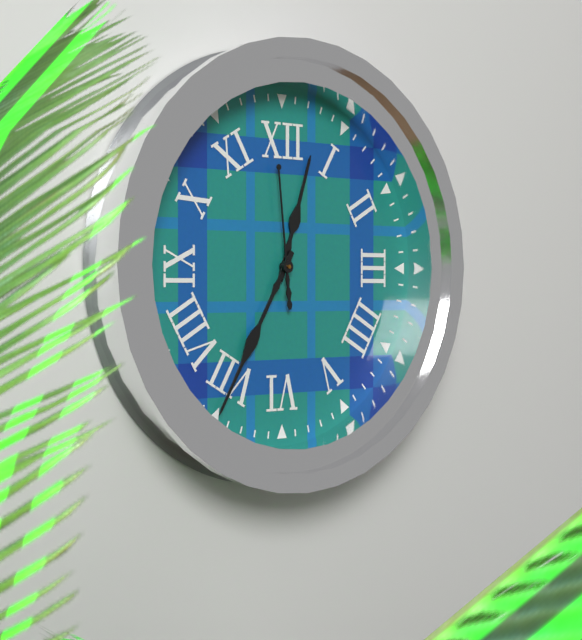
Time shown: {"hour": 12, "minute": 35, "second": 59}
